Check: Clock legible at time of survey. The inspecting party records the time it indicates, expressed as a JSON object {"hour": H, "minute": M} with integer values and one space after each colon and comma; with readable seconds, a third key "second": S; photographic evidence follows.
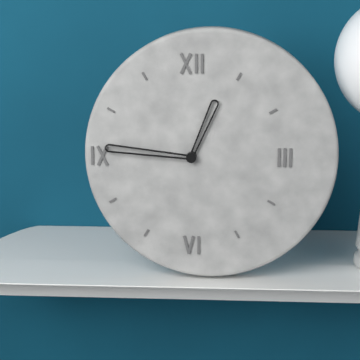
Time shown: {"hour": 12, "minute": 46}
